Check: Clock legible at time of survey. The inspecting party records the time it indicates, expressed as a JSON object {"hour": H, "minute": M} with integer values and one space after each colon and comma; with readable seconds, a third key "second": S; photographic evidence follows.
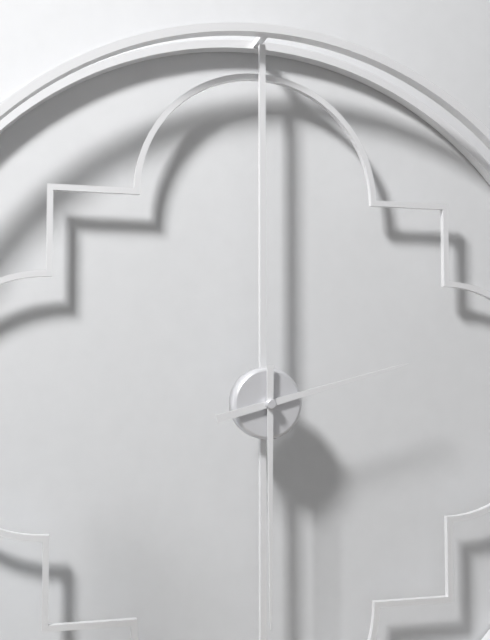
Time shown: {"hour": 2, "minute": 30}
